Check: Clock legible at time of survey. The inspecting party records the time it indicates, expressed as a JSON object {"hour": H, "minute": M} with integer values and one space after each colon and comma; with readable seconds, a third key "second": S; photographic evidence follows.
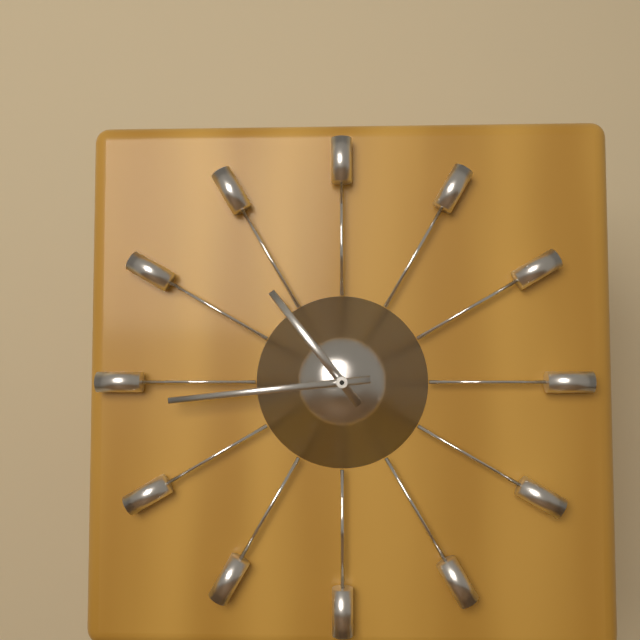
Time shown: {"hour": 10, "minute": 44}
